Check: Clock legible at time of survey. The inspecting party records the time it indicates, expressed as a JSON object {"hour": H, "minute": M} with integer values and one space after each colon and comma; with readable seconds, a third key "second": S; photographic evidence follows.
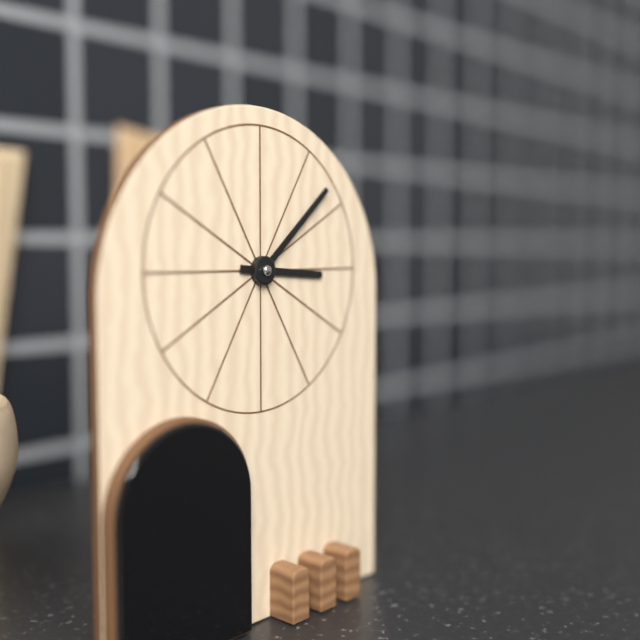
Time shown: {"hour": 3, "minute": 8}
